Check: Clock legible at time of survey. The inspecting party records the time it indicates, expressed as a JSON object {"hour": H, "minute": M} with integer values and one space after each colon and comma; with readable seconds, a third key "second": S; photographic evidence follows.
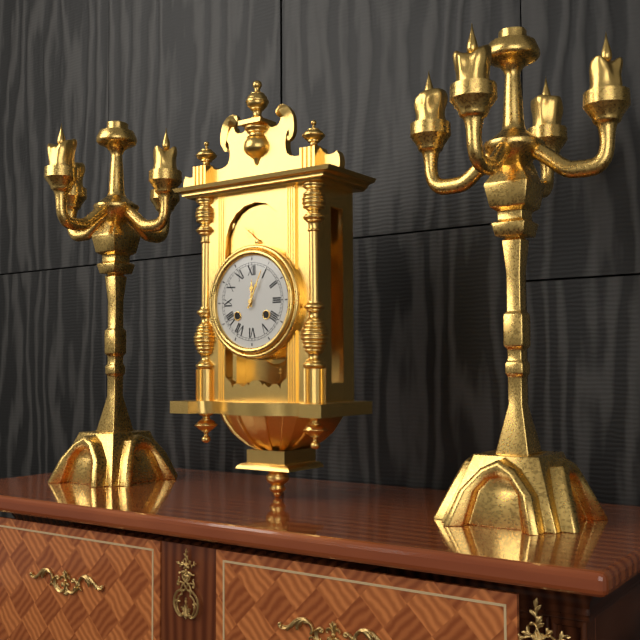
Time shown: {"hour": 12, "minute": 4}
